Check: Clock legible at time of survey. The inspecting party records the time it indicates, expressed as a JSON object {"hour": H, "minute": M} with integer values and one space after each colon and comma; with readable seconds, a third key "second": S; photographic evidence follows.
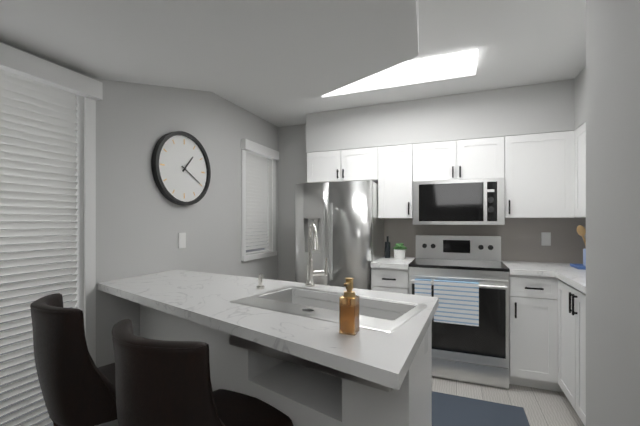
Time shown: {"hour": 1, "minute": 20}
